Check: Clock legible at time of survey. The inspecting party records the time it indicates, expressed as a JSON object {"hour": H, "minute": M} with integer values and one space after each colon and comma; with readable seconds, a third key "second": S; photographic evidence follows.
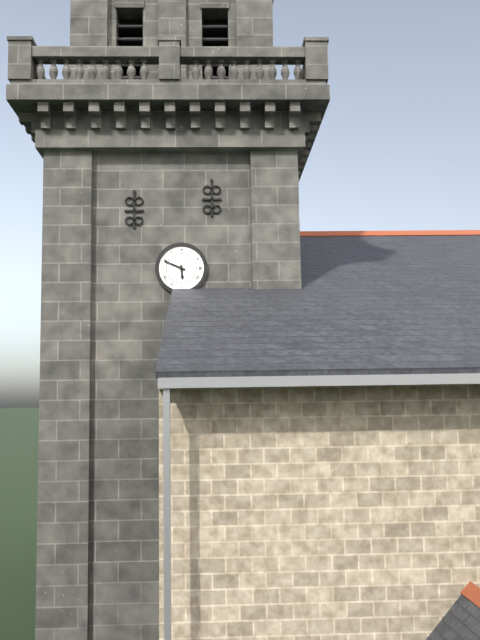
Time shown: {"hour": 5, "minute": 49}
